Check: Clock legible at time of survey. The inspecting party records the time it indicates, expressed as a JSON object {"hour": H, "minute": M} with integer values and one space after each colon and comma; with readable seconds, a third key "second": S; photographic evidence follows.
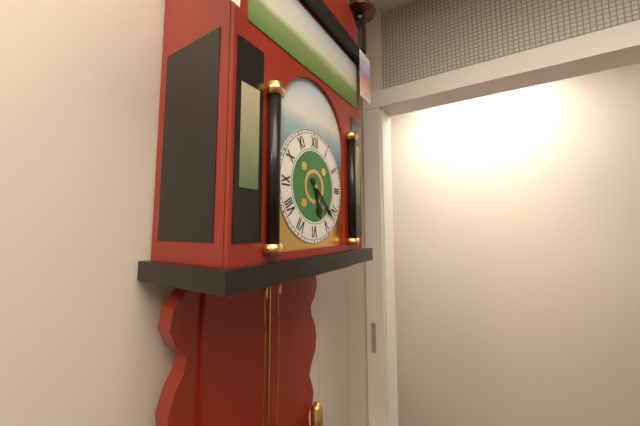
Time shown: {"hour": 5, "minute": 22}
